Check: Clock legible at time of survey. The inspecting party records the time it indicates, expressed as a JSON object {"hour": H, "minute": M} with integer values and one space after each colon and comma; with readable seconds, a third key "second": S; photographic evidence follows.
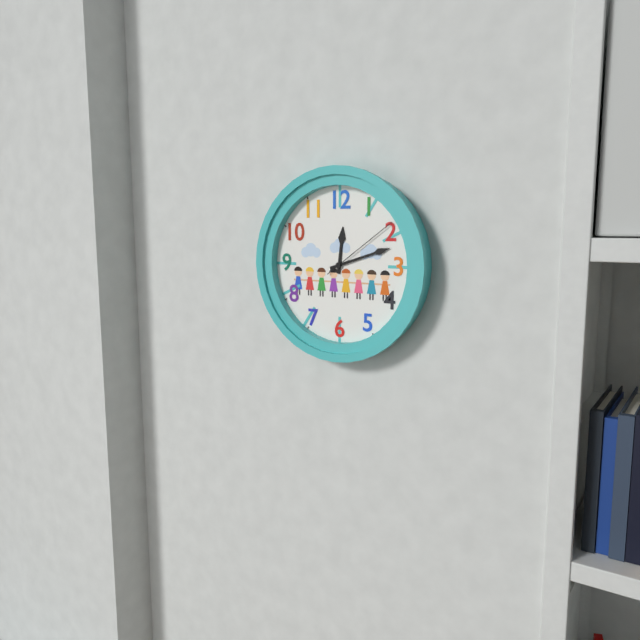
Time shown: {"hour": 12, "minute": 12, "second": 9}
